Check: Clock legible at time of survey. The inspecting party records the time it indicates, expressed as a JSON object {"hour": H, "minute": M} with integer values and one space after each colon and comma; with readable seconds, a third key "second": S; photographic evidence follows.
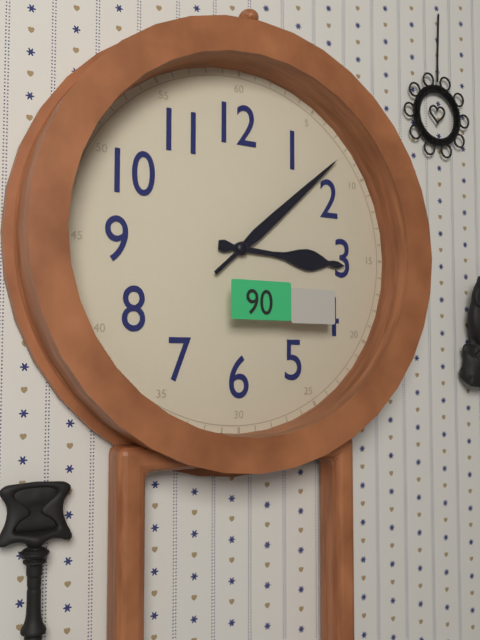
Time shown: {"hour": 3, "minute": 8}
